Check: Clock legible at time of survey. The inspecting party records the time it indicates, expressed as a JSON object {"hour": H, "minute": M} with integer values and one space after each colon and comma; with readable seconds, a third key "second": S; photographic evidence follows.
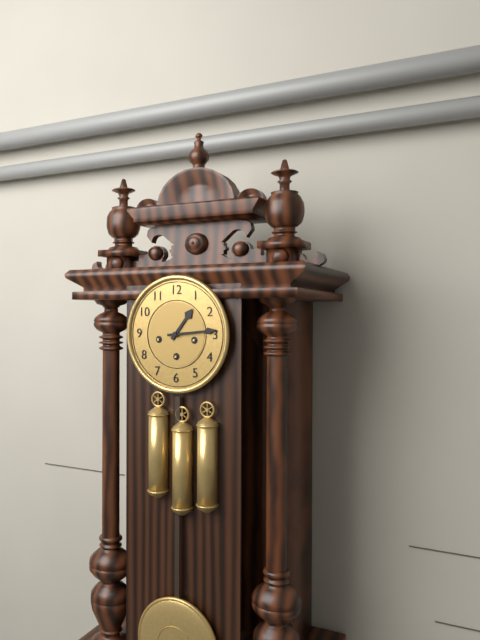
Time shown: {"hour": 1, "minute": 14}
